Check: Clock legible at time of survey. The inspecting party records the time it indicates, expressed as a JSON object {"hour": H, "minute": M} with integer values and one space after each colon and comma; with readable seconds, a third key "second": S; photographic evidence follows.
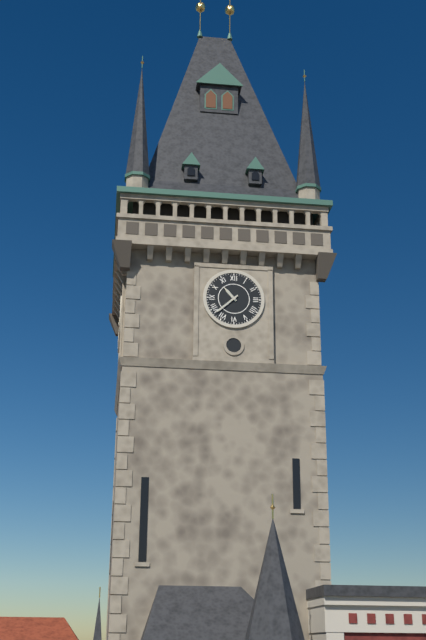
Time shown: {"hour": 10, "minute": 38}
